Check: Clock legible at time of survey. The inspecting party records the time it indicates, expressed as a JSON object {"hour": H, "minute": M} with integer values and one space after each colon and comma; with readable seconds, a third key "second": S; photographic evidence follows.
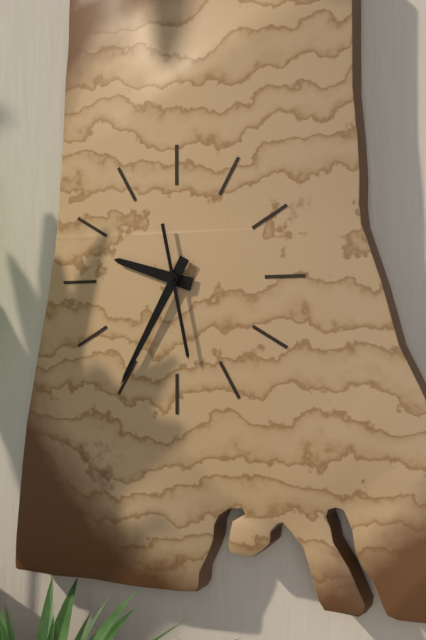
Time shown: {"hour": 9, "minute": 35, "second": 28}
